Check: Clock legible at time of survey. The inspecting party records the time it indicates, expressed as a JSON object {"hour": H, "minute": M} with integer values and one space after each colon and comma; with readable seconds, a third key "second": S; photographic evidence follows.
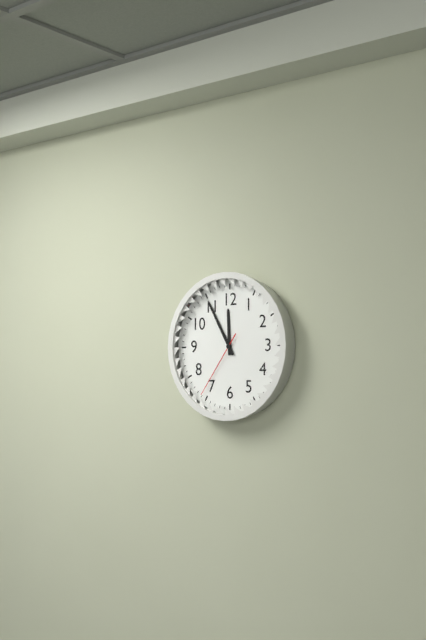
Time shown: {"hour": 11, "minute": 55, "second": 36}
